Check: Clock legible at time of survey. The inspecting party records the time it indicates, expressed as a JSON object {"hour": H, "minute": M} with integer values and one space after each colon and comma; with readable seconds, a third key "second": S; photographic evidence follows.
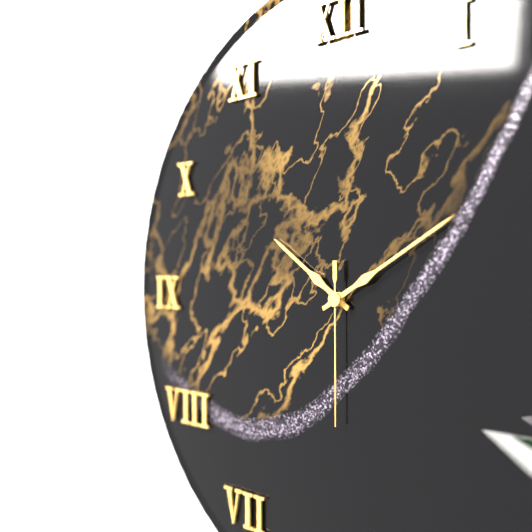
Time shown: {"hour": 10, "minute": 10, "second": 30}
